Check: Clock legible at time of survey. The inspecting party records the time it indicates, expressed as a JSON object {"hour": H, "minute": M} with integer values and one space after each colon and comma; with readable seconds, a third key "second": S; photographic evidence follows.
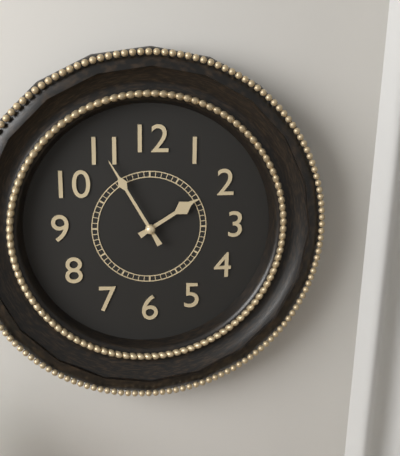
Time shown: {"hour": 1, "minute": 55}
